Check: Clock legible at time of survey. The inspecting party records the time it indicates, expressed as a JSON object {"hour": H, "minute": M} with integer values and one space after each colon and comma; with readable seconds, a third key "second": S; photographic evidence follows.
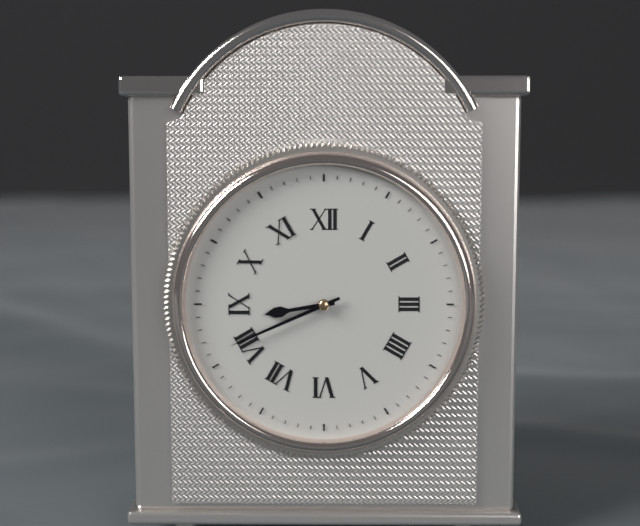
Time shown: {"hour": 8, "minute": 41}
